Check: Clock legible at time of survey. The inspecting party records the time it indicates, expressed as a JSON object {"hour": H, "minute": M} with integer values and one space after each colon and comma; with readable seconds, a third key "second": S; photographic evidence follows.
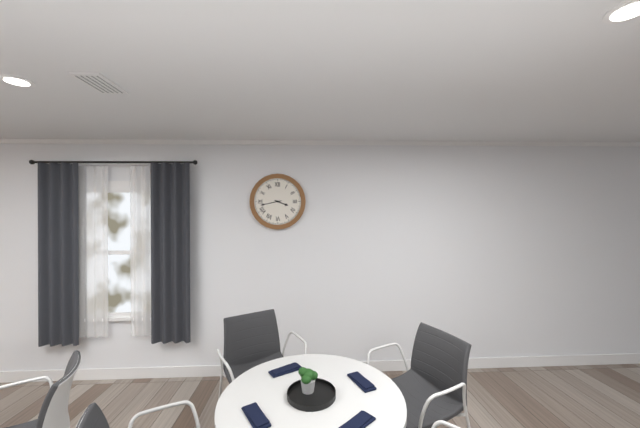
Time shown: {"hour": 3, "minute": 43}
